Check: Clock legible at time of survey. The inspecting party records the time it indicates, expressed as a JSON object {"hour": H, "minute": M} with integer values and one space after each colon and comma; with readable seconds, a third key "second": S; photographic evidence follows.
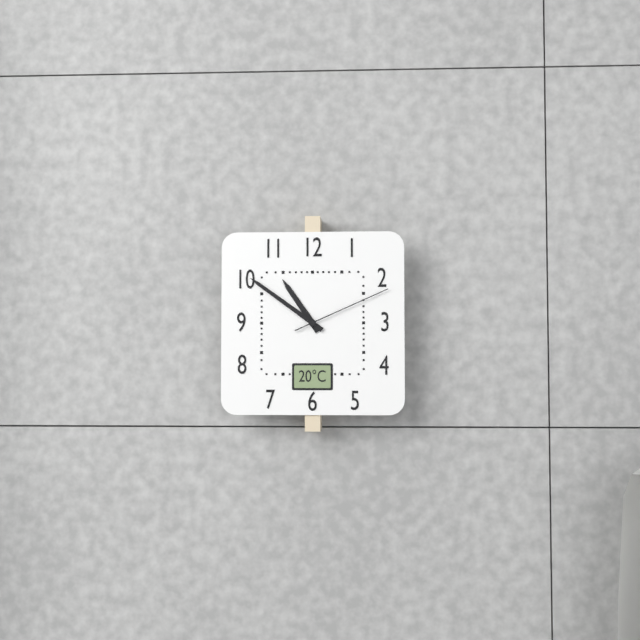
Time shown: {"hour": 10, "minute": 51, "second": 11}
